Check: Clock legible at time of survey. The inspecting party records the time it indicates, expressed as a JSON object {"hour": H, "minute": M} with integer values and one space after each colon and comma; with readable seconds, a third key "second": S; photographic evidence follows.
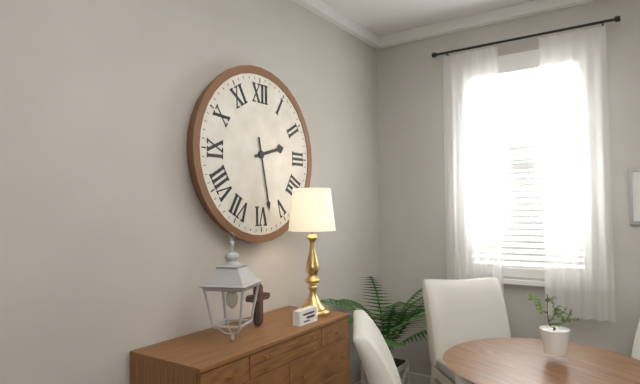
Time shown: {"hour": 2, "minute": 28}
